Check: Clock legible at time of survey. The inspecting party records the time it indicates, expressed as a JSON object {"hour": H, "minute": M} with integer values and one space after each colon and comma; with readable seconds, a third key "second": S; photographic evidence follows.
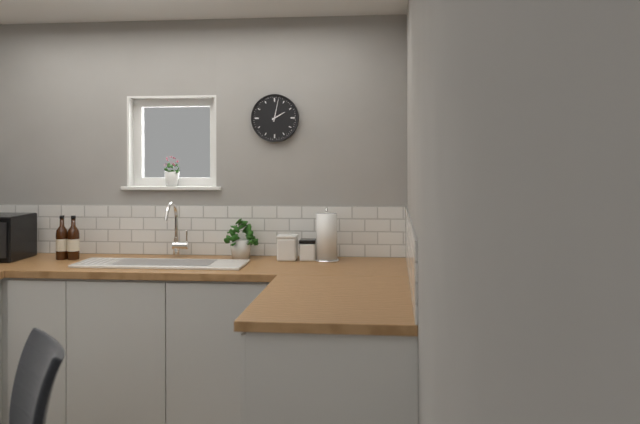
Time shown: {"hour": 2, "minute": 2}
